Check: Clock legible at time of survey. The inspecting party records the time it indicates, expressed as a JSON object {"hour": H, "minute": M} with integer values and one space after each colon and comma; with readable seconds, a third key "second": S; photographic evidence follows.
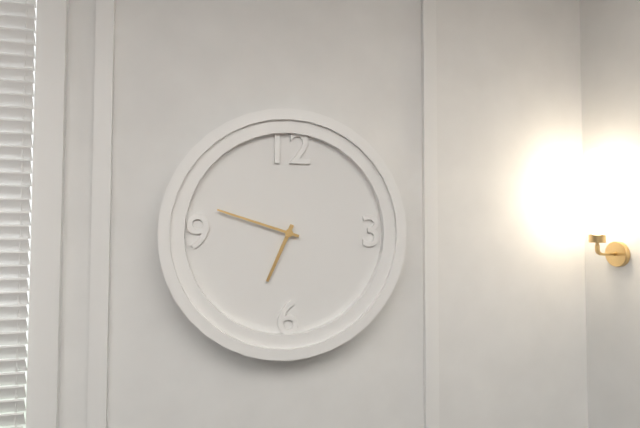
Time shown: {"hour": 6, "minute": 48}
